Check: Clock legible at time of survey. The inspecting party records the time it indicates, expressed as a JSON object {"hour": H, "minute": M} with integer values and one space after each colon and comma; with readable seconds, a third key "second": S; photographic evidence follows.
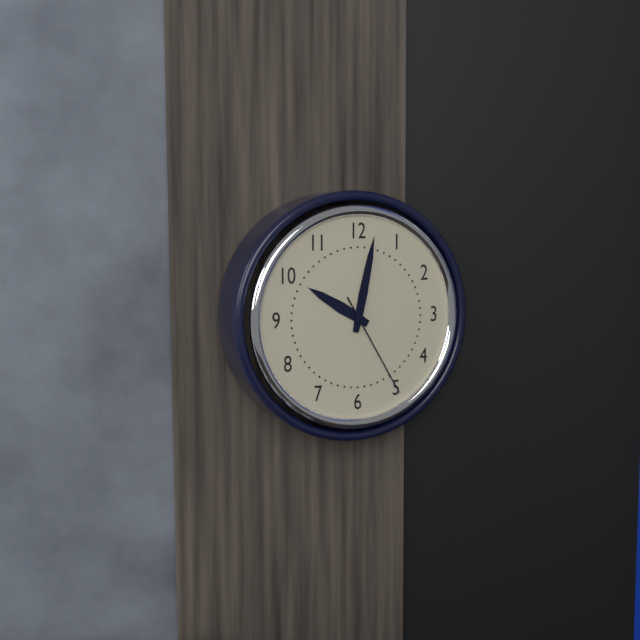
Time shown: {"hour": 10, "minute": 2, "second": 25}
